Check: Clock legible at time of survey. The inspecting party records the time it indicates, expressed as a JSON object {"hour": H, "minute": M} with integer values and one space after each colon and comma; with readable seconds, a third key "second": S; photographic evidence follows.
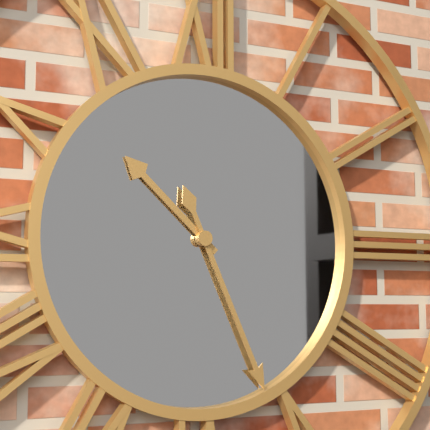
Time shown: {"hour": 10, "minute": 26}
